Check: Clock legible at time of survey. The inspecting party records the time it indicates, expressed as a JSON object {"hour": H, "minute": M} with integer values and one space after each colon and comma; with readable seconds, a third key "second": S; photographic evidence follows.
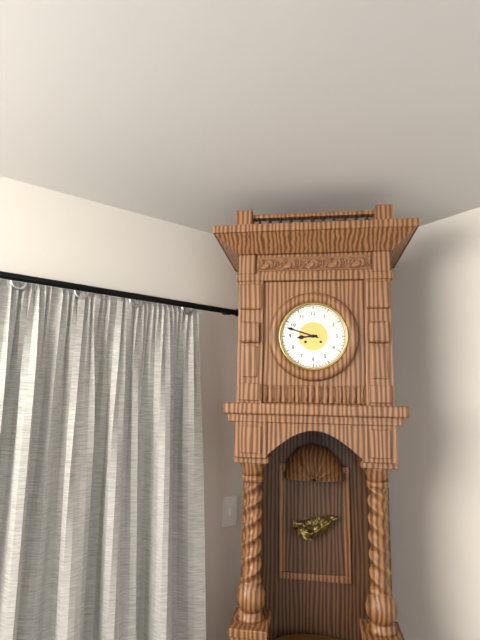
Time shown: {"hour": 8, "minute": 48}
